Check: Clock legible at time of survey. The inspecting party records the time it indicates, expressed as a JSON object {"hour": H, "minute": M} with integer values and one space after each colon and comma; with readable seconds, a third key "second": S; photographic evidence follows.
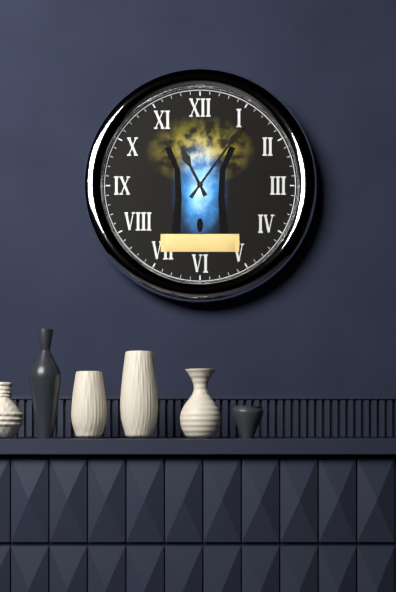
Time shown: {"hour": 11, "minute": 6}
